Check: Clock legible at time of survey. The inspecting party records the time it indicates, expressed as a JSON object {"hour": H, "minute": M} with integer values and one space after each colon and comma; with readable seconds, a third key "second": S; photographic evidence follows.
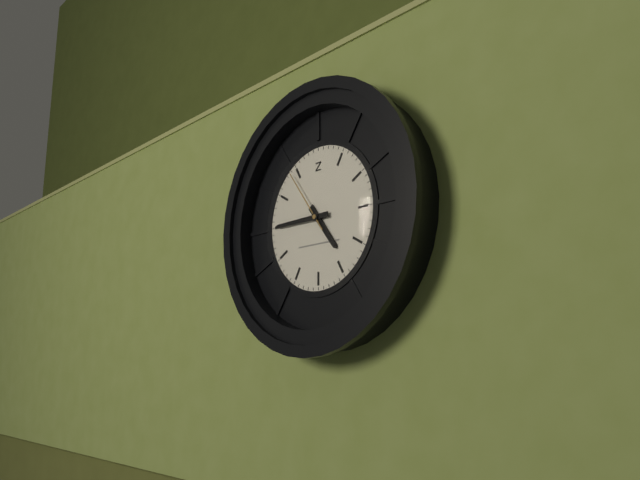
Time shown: {"hour": 4, "minute": 45, "second": 54}
